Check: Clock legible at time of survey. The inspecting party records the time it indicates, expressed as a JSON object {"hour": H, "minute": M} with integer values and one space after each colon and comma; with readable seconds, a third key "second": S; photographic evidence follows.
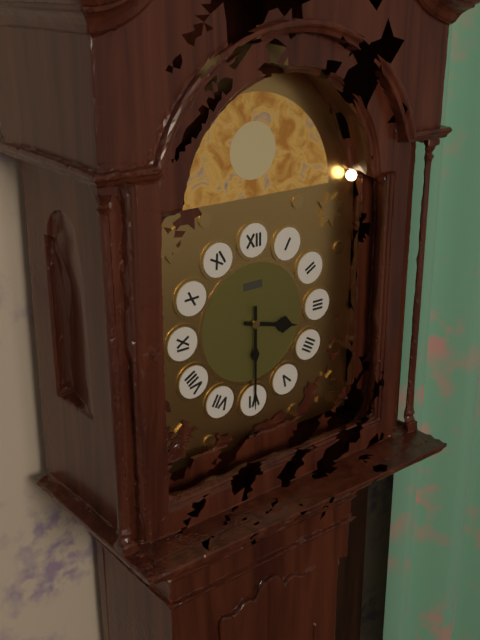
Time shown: {"hour": 3, "minute": 30}
